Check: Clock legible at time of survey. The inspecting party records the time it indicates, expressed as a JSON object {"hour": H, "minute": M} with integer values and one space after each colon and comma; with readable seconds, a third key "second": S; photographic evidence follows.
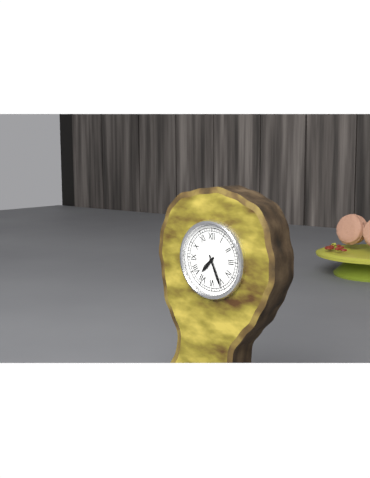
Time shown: {"hour": 7, "minute": 26}
